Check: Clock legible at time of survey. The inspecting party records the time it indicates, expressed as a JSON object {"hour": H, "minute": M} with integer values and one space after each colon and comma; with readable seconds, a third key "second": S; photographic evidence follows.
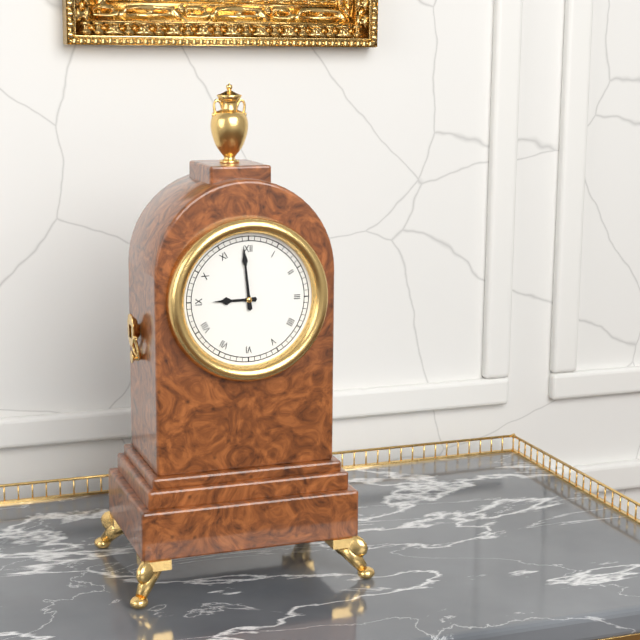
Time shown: {"hour": 8, "minute": 59}
